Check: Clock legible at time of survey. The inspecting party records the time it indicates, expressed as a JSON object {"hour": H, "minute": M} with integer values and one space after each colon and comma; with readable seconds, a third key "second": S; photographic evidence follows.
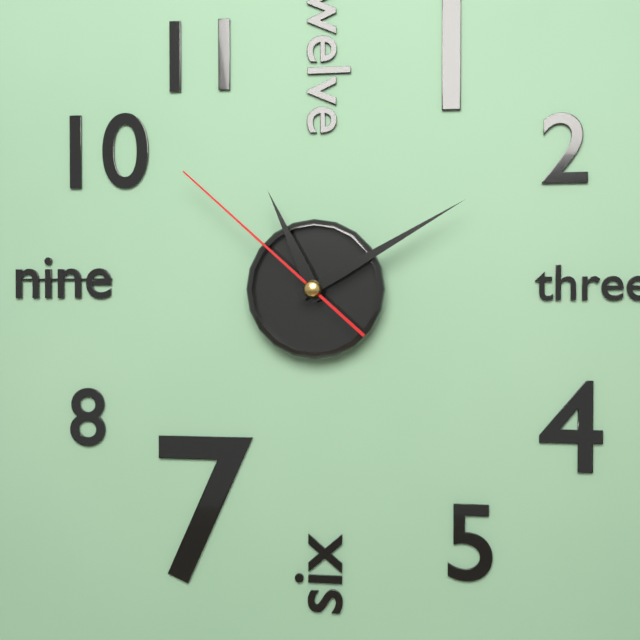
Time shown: {"hour": 11, "minute": 10, "second": 52}
